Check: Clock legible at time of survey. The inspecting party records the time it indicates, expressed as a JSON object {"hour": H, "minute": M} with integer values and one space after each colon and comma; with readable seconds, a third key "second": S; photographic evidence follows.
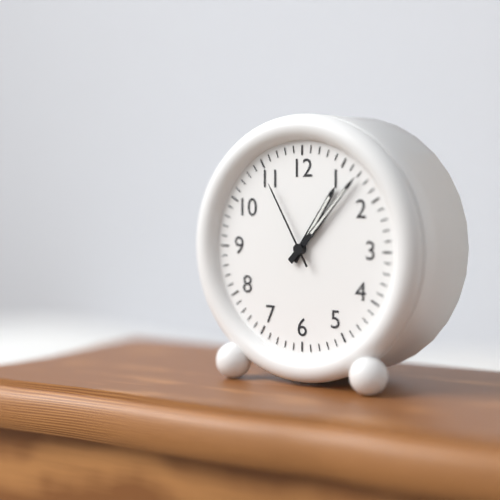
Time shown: {"hour": 1, "minute": 7, "second": 55}
